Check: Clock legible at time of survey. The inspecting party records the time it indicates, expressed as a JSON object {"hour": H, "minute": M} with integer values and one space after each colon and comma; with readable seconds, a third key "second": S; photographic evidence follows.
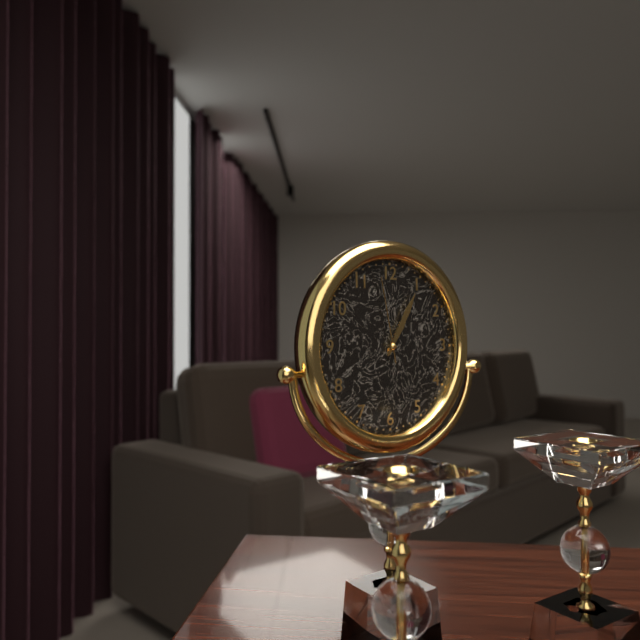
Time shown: {"hour": 1, "minute": 5, "second": 58}
